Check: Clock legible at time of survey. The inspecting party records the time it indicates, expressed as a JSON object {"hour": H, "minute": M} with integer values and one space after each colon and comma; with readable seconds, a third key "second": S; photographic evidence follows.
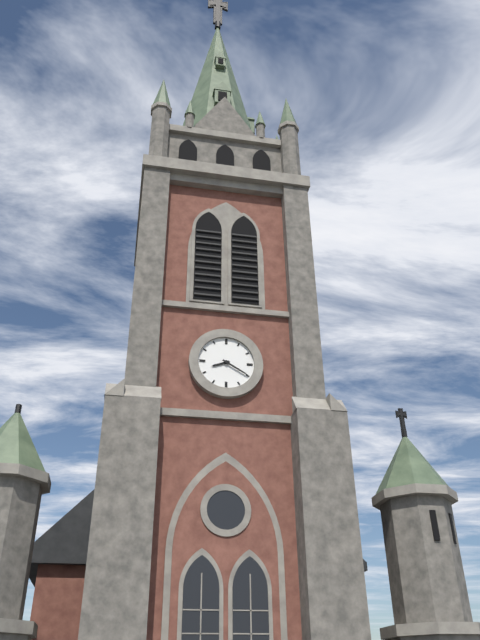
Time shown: {"hour": 8, "minute": 20}
